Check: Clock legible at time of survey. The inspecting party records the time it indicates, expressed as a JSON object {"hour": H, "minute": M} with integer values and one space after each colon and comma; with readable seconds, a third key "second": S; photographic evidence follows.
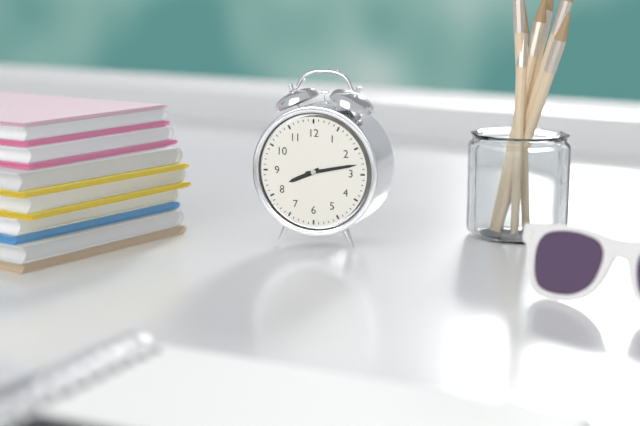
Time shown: {"hour": 8, "minute": 13}
